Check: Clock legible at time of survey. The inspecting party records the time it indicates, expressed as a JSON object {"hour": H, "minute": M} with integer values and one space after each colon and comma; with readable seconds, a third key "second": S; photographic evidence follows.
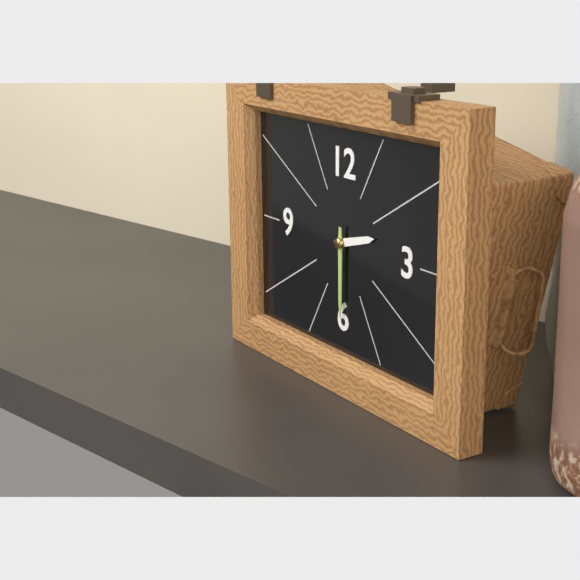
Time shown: {"hour": 2, "minute": 30}
